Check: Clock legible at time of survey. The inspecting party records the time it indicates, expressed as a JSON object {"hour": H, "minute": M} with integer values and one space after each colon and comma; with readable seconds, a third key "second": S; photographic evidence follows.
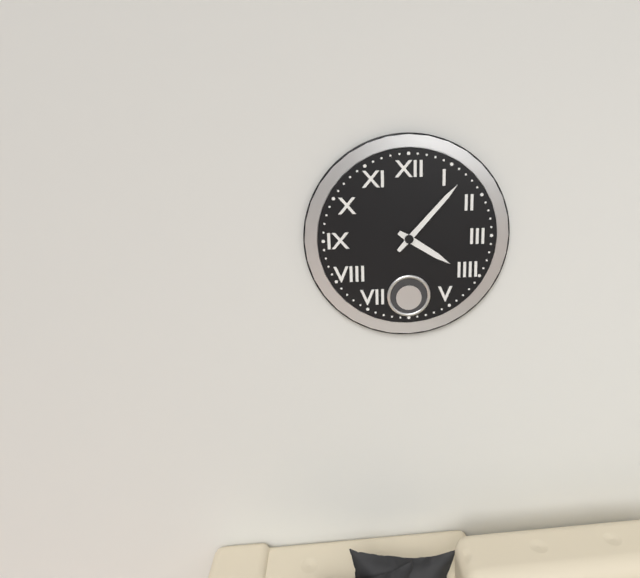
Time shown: {"hour": 4, "minute": 7}
